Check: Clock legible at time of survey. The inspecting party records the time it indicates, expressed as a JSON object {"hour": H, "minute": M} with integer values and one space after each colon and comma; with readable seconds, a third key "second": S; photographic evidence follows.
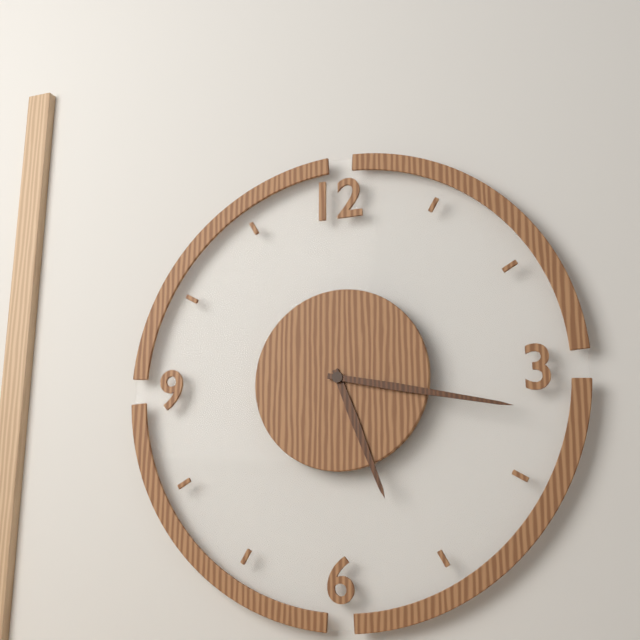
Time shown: {"hour": 5, "minute": 17}
